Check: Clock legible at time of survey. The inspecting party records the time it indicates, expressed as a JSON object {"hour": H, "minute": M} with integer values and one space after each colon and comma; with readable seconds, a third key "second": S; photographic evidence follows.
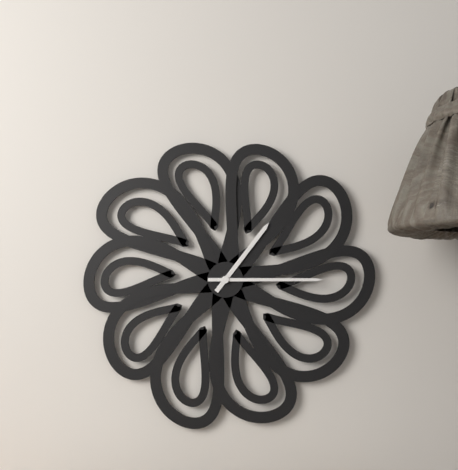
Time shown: {"hour": 1, "minute": 15}
